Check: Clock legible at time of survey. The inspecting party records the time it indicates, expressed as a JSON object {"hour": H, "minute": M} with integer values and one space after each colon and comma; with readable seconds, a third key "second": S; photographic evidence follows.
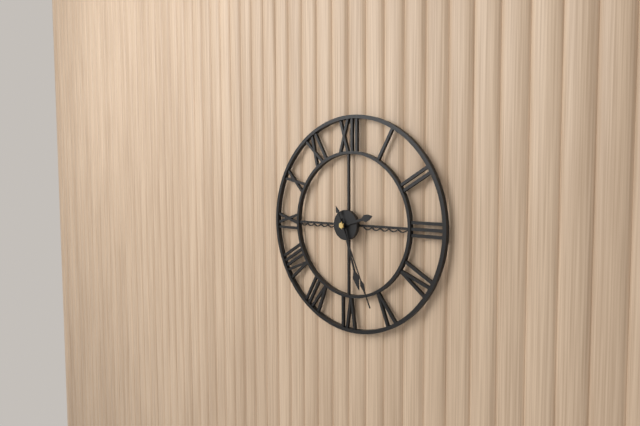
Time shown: {"hour": 2, "minute": 27, "second": 26}
